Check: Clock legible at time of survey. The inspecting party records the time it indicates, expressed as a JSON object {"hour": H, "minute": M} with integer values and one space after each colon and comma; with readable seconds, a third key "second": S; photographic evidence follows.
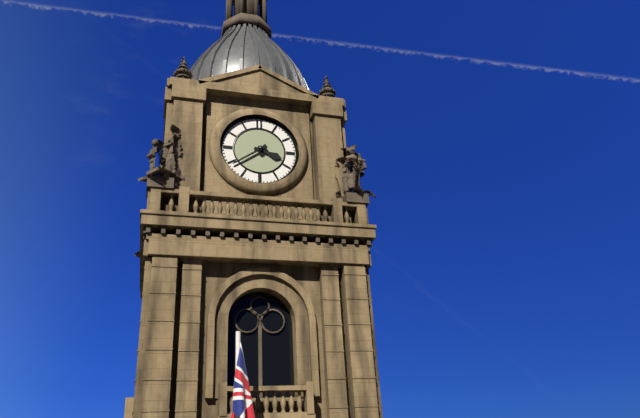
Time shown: {"hour": 3, "minute": 39}
